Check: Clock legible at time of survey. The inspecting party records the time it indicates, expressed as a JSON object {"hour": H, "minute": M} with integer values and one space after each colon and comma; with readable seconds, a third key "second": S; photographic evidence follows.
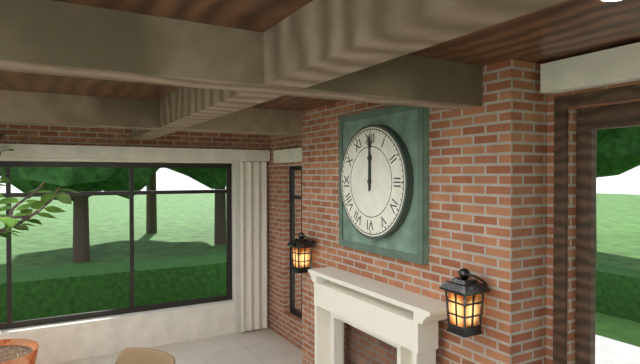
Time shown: {"hour": 12, "minute": 0}
